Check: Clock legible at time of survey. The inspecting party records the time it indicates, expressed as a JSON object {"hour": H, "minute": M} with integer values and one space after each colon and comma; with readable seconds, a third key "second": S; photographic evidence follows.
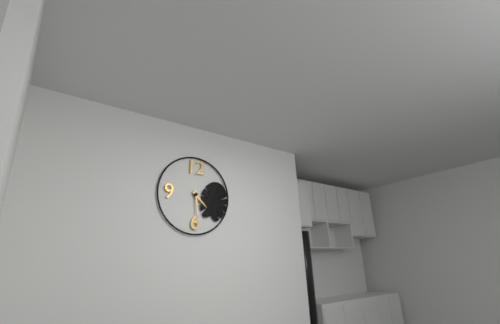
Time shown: {"hour": 4, "minute": 29}
